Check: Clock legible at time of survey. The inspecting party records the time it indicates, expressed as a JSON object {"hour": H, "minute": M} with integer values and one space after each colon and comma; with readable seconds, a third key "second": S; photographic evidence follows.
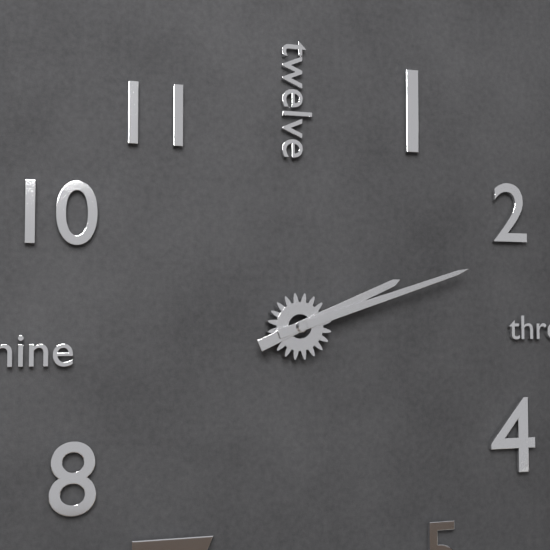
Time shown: {"hour": 2, "minute": 12}
